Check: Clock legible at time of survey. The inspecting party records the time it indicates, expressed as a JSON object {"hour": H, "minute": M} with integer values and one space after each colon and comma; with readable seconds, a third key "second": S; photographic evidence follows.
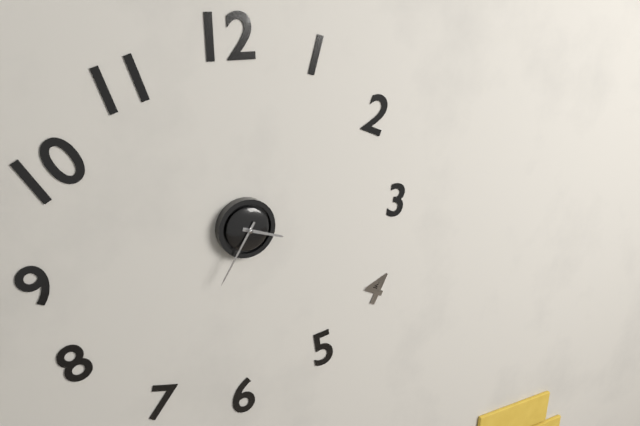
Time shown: {"hour": 3, "minute": 35}
